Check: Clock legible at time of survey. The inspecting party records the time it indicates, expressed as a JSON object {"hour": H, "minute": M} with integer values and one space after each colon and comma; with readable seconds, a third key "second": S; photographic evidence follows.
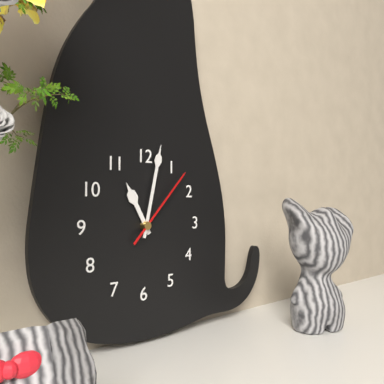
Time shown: {"hour": 11, "minute": 2, "second": 7}
